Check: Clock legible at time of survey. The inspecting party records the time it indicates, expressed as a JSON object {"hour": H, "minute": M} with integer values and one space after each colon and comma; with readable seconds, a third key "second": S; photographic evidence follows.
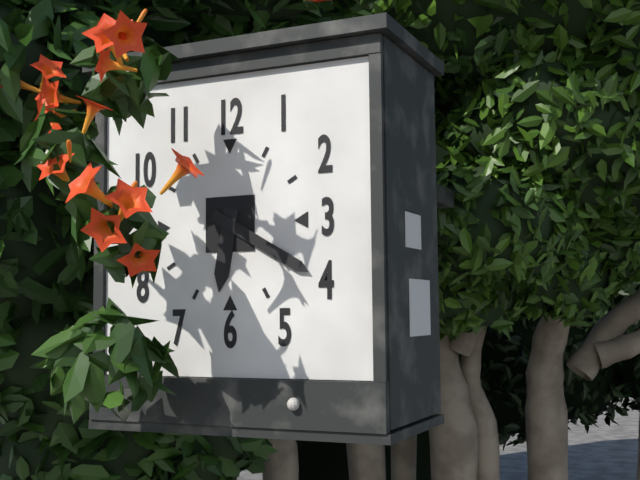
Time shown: {"hour": 6, "minute": 20}
